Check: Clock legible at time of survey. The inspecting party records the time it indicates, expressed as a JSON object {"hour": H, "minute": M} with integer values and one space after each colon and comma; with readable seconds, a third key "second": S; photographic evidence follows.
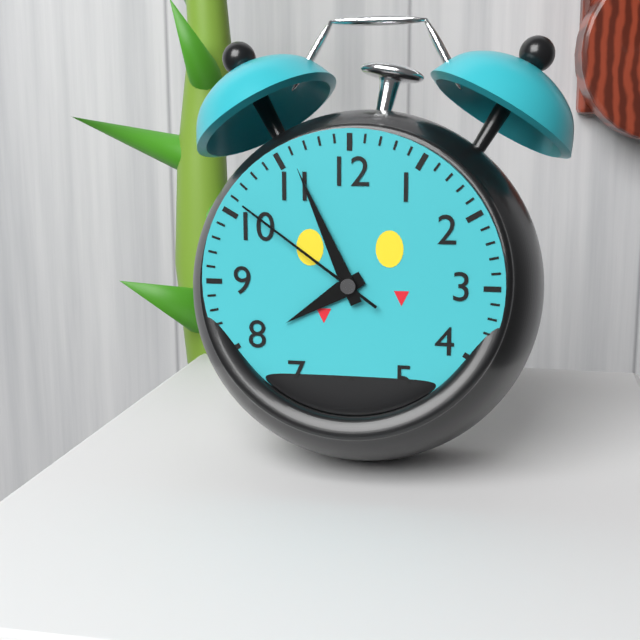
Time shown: {"hour": 7, "minute": 56, "second": 51}
